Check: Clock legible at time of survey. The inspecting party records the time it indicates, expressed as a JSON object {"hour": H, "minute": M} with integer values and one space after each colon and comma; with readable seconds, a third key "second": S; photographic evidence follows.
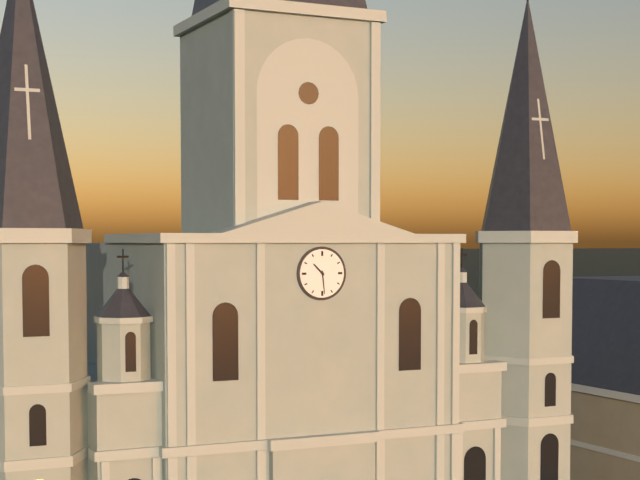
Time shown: {"hour": 10, "minute": 29}
